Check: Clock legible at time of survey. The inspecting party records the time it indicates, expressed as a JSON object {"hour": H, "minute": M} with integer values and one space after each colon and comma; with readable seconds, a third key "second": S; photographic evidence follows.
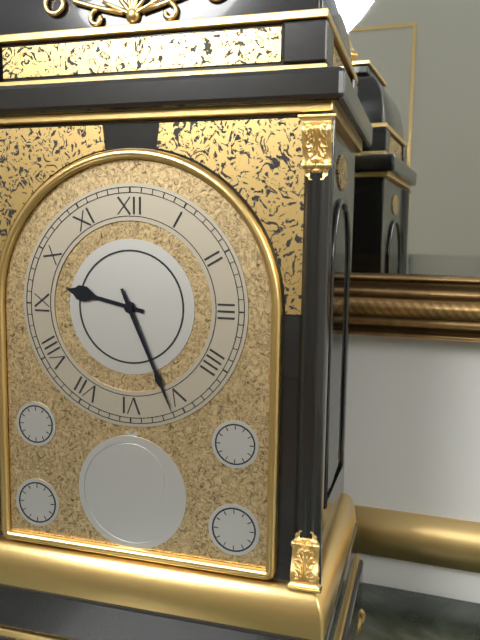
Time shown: {"hour": 9, "minute": 26}
